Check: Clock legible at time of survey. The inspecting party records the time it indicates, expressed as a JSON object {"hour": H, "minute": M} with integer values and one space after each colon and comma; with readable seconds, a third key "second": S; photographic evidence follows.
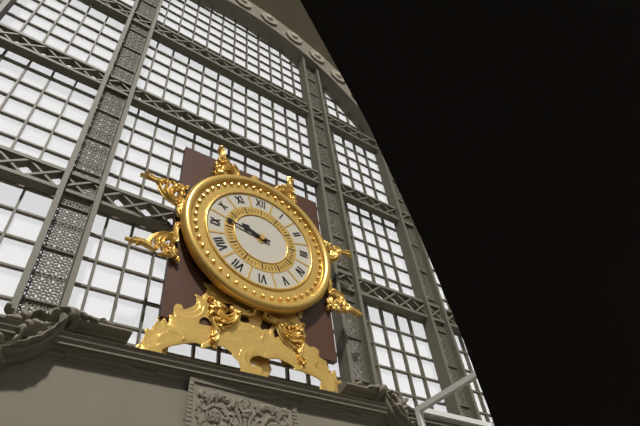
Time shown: {"hour": 9, "minute": 47}
